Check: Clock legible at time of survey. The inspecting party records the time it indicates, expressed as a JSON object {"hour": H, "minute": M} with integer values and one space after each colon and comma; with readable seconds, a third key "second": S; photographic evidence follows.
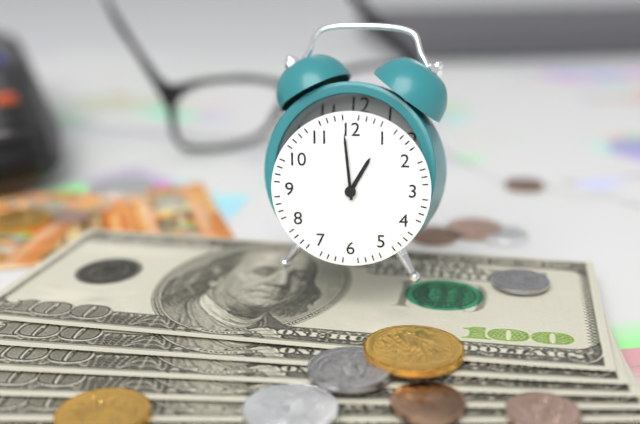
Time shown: {"hour": 12, "minute": 59}
